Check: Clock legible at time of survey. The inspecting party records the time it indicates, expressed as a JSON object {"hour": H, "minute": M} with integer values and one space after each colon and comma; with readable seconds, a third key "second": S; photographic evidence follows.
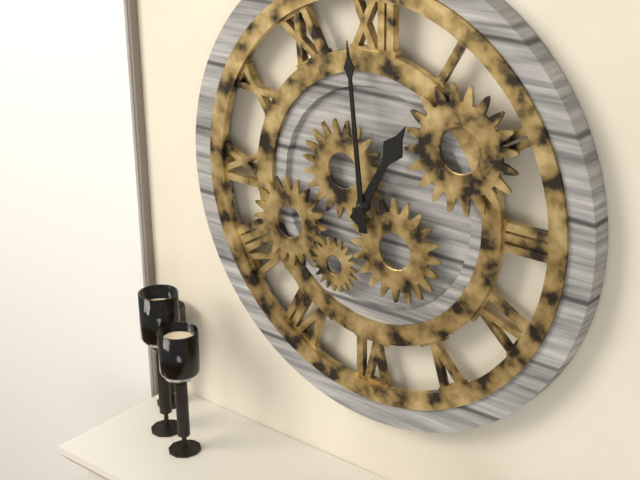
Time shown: {"hour": 12, "minute": 59}
